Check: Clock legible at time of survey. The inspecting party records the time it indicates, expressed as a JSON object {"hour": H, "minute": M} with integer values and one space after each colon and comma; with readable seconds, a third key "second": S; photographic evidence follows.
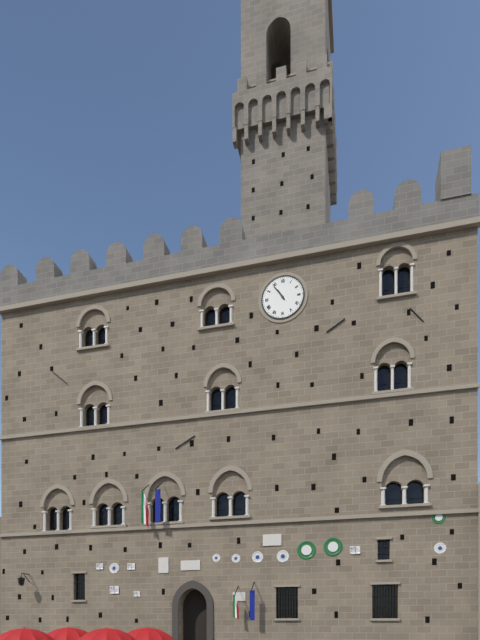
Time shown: {"hour": 10, "minute": 54}
